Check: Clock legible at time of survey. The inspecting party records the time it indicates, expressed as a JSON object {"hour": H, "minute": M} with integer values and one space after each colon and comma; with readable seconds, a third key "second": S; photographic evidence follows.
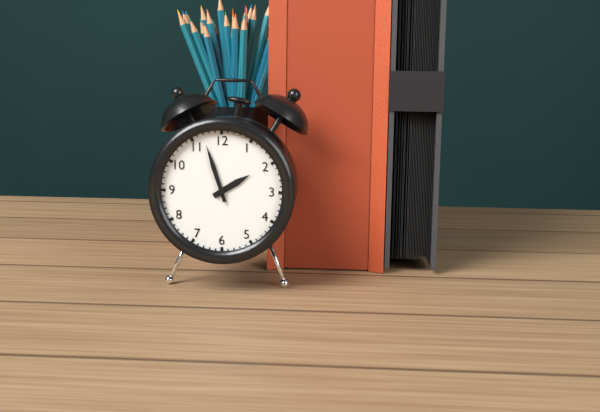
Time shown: {"hour": 1, "minute": 57}
